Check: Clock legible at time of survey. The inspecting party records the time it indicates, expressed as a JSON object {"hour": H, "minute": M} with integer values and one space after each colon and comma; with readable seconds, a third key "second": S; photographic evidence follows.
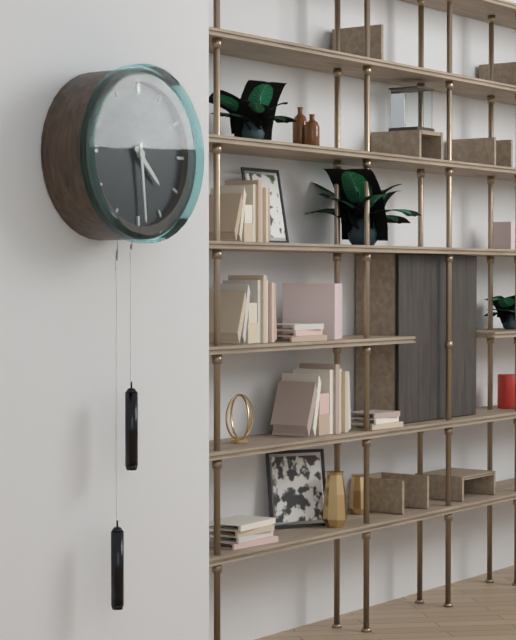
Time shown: {"hour": 4, "minute": 29}
